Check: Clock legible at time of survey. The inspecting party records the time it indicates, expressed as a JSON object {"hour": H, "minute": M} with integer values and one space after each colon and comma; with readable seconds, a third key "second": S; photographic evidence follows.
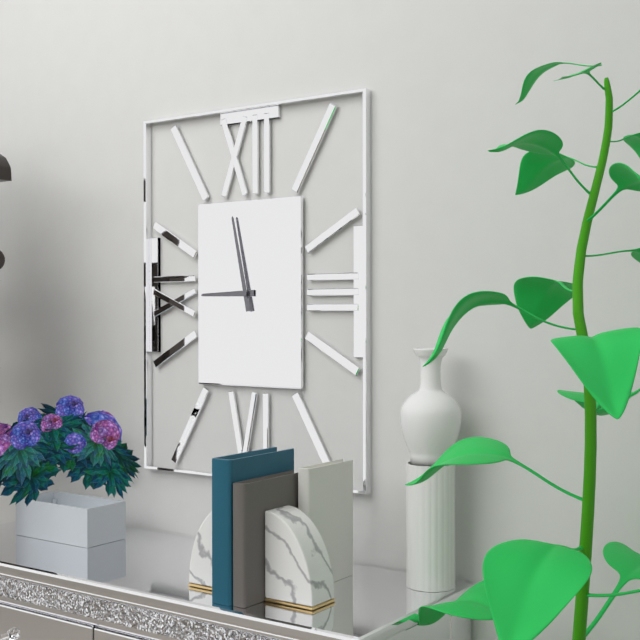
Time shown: {"hour": 8, "minute": 58}
